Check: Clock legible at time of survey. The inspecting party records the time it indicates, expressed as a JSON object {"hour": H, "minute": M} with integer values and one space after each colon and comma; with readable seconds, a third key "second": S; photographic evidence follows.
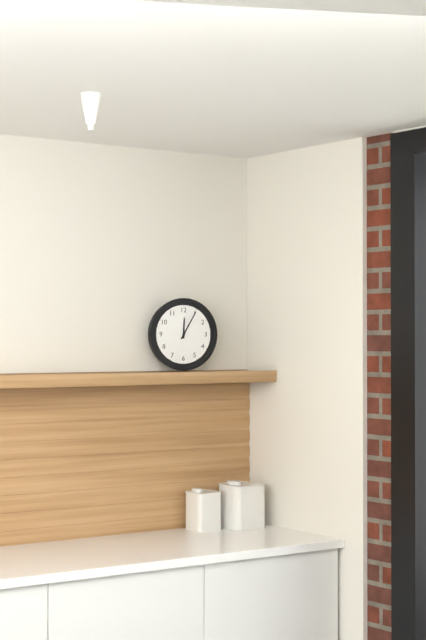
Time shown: {"hour": 12, "minute": 5}
